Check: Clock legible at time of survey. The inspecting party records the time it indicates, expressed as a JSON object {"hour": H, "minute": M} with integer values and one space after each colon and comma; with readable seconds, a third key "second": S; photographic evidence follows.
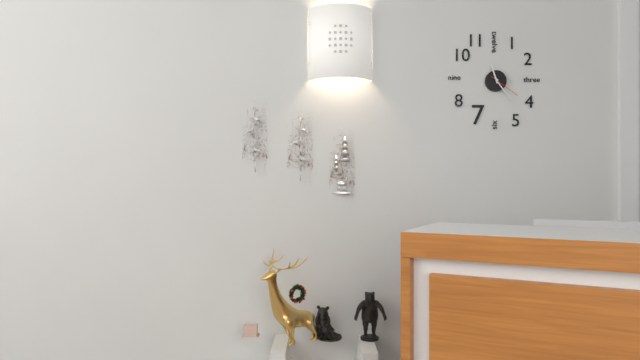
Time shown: {"hour": 11, "minute": 24}
